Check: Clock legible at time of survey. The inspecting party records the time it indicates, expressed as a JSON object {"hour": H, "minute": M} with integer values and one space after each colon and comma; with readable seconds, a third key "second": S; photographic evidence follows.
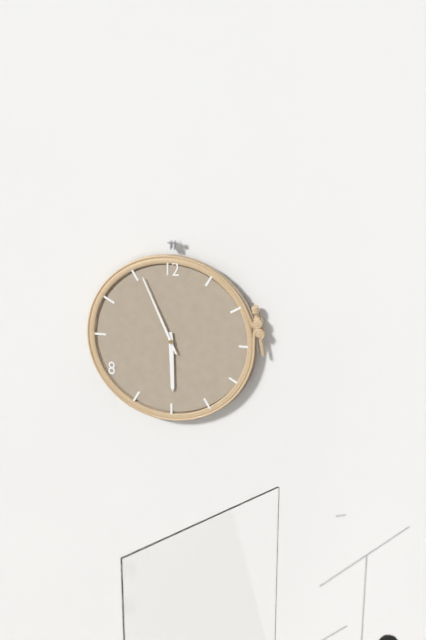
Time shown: {"hour": 5, "minute": 56}
